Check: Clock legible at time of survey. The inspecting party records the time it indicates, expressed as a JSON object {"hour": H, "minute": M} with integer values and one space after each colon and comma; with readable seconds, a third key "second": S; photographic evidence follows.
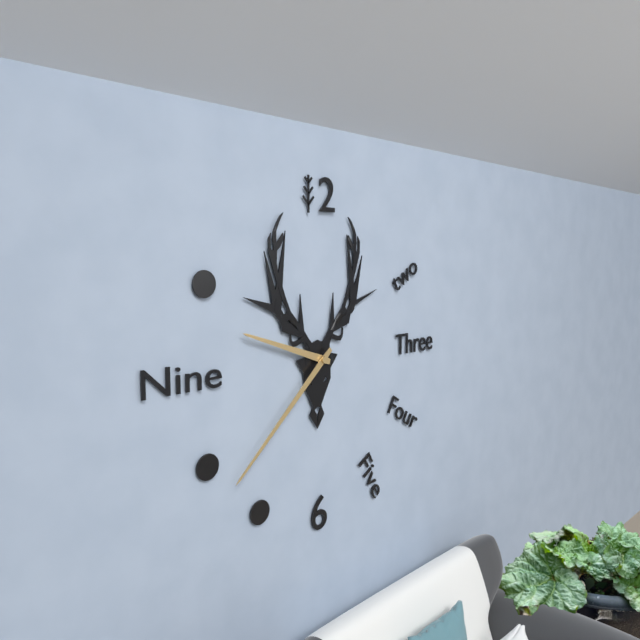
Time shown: {"hour": 9, "minute": 38}
